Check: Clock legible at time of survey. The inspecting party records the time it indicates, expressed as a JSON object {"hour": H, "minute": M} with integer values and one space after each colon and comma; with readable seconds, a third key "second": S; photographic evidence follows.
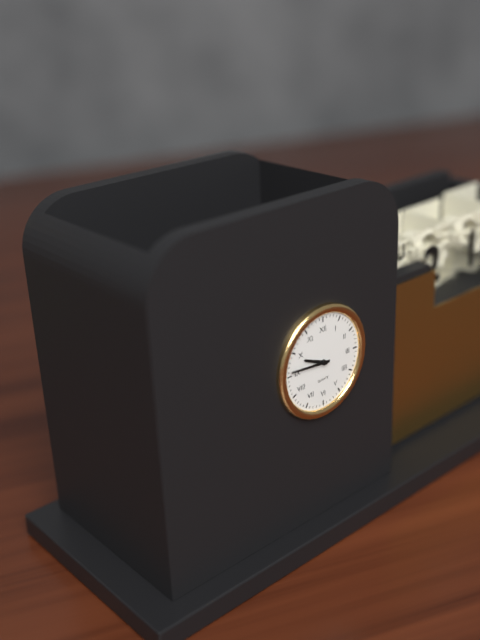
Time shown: {"hour": 9, "minute": 46}
